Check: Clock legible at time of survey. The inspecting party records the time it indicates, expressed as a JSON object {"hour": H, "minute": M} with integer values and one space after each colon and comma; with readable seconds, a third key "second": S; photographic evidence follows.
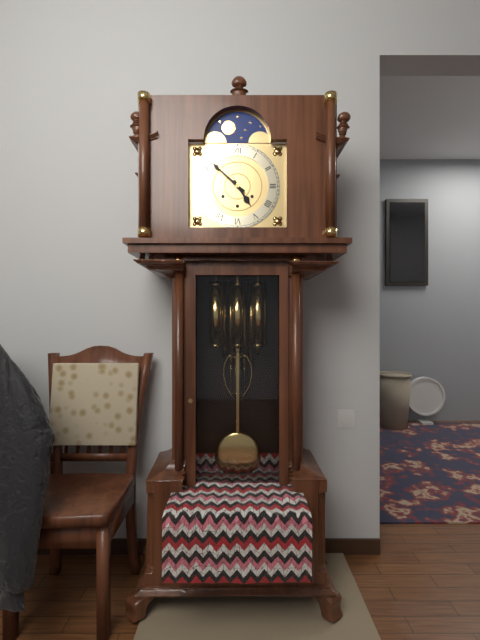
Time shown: {"hour": 4, "minute": 52}
